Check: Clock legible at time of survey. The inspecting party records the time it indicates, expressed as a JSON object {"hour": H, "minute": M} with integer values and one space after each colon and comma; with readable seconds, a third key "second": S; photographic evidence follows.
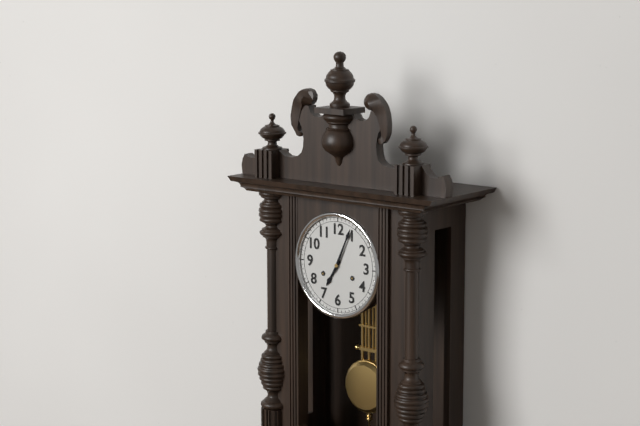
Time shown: {"hour": 7, "minute": 4}
